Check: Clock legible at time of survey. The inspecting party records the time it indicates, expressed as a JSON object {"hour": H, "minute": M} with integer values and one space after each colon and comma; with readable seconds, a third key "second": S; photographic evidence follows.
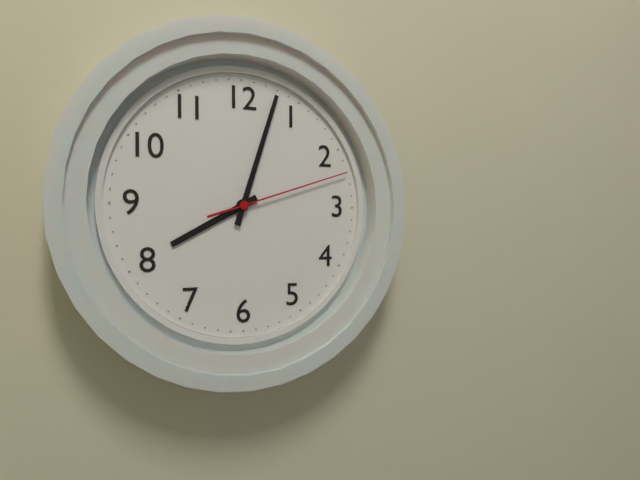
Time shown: {"hour": 8, "minute": 3, "second": 12}
